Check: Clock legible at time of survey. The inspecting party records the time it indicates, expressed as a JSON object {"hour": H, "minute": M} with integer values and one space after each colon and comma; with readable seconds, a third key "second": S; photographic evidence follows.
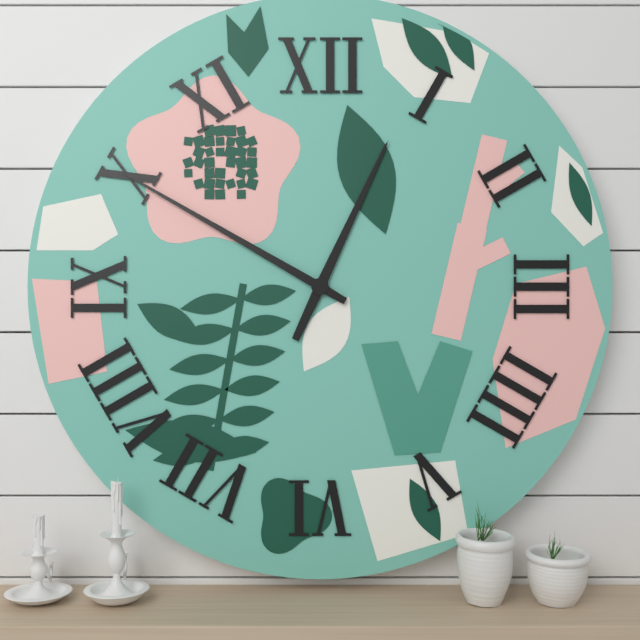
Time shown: {"hour": 12, "minute": 50}
